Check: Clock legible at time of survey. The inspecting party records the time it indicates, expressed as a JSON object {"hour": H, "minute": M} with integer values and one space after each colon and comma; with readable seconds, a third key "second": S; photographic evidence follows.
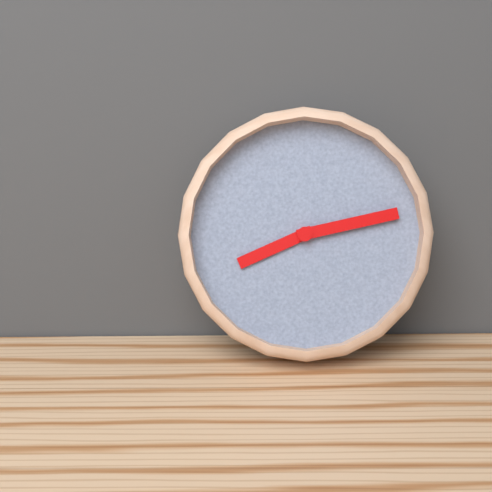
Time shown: {"hour": 8, "minute": 13}
